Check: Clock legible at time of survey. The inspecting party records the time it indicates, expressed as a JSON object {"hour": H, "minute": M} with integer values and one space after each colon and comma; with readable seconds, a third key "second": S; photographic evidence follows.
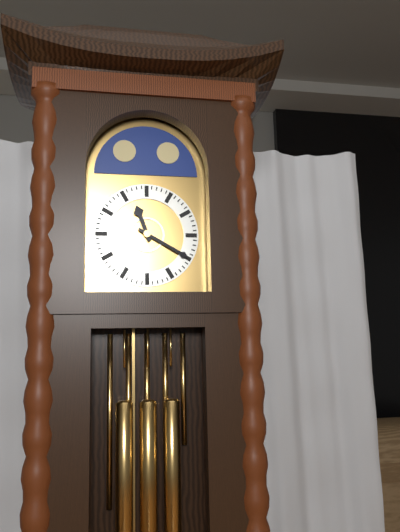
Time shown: {"hour": 11, "minute": 20}
